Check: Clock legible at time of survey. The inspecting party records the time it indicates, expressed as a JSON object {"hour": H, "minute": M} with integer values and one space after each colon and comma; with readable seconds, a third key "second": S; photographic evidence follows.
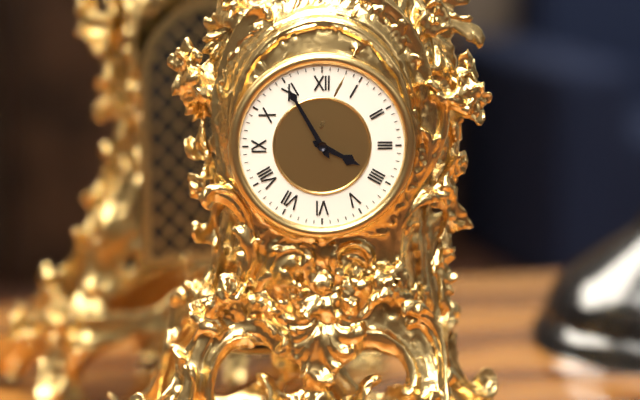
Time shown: {"hour": 3, "minute": 55}
